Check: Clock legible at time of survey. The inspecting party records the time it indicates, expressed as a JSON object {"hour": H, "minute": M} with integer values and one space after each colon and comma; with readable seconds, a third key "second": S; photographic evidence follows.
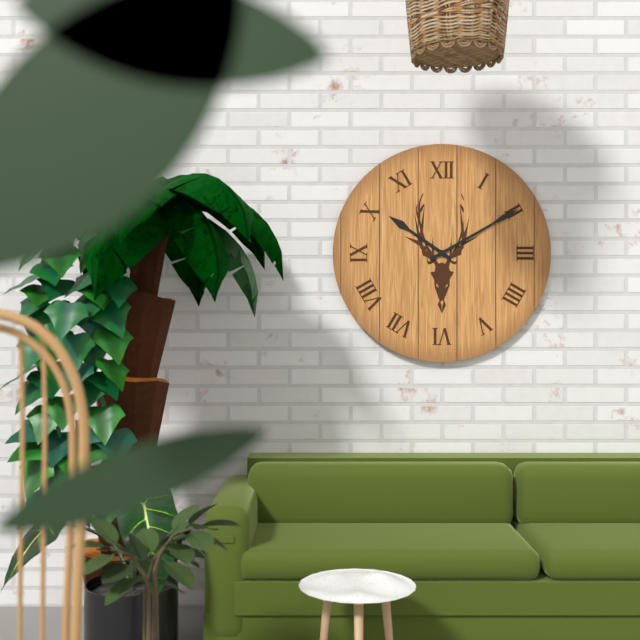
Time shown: {"hour": 10, "minute": 10}
